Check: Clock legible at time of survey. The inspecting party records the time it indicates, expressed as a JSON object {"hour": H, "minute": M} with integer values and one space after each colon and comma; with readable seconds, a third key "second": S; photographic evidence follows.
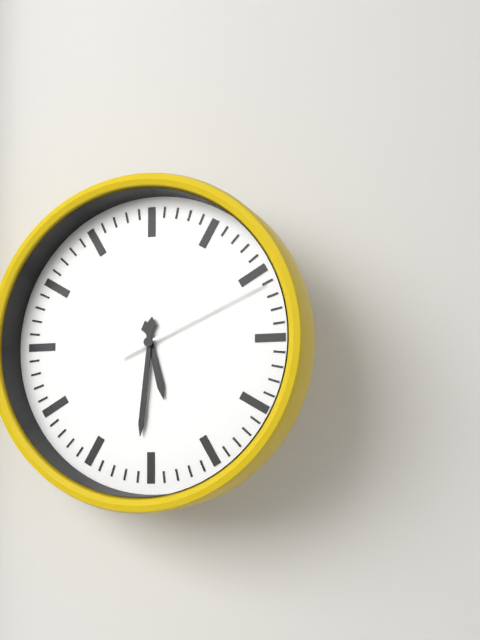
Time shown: {"hour": 5, "minute": 31, "second": 11}
